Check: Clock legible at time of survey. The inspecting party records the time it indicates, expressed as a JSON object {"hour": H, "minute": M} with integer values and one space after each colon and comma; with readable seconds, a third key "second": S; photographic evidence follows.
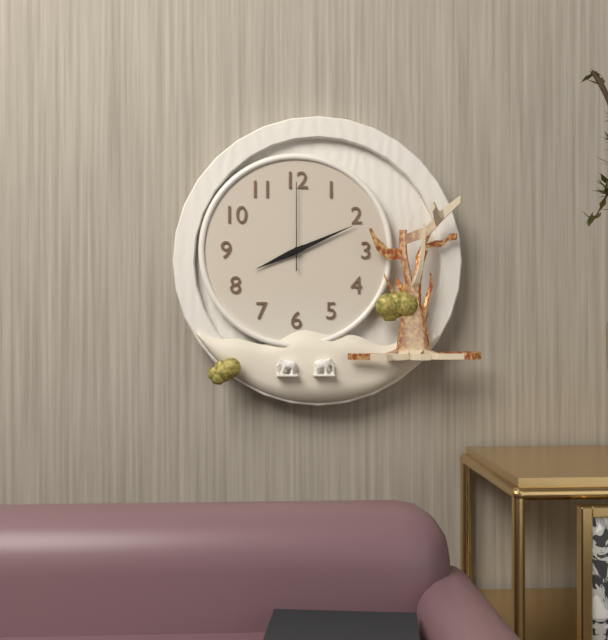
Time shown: {"hour": 8, "minute": 11, "second": 0}
